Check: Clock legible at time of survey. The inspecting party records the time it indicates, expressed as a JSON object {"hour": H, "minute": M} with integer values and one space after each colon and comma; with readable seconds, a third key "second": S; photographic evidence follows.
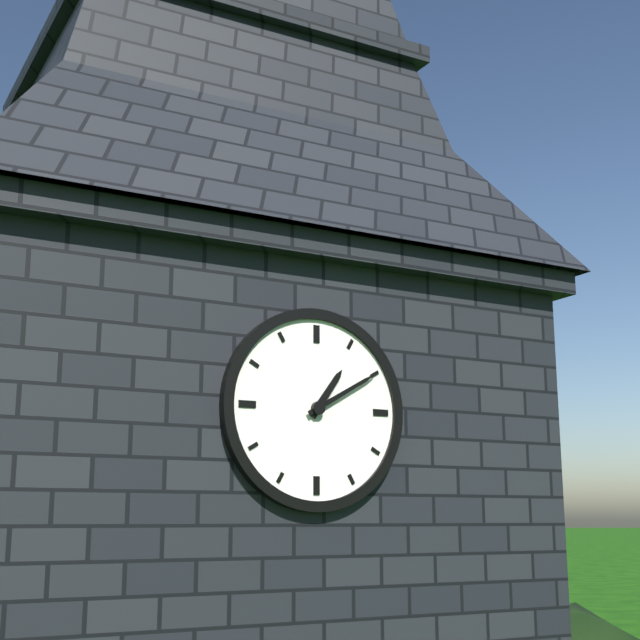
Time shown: {"hour": 1, "minute": 10}
